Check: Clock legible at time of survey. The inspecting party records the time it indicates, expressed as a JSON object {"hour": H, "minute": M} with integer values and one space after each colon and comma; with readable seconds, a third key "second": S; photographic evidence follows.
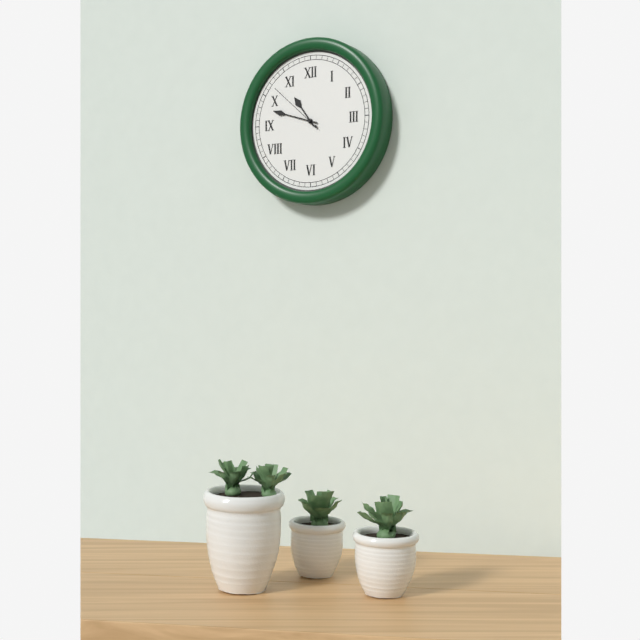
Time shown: {"hour": 10, "minute": 48, "second": 52}
